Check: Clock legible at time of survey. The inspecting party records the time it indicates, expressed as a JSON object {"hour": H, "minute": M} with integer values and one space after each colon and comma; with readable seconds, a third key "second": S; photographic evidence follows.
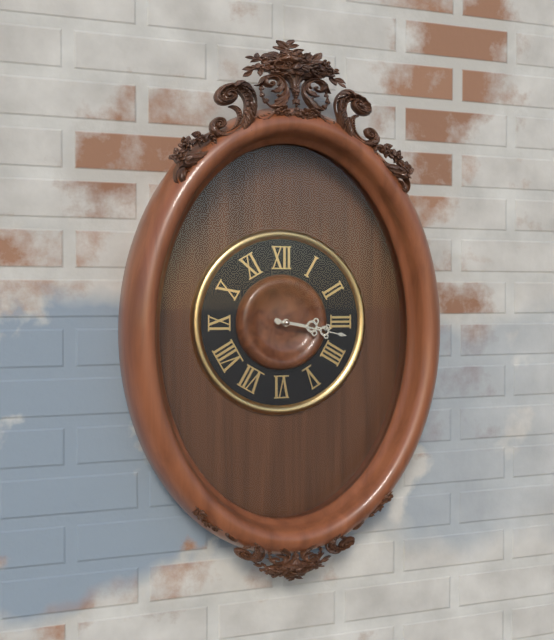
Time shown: {"hour": 3, "minute": 17}
